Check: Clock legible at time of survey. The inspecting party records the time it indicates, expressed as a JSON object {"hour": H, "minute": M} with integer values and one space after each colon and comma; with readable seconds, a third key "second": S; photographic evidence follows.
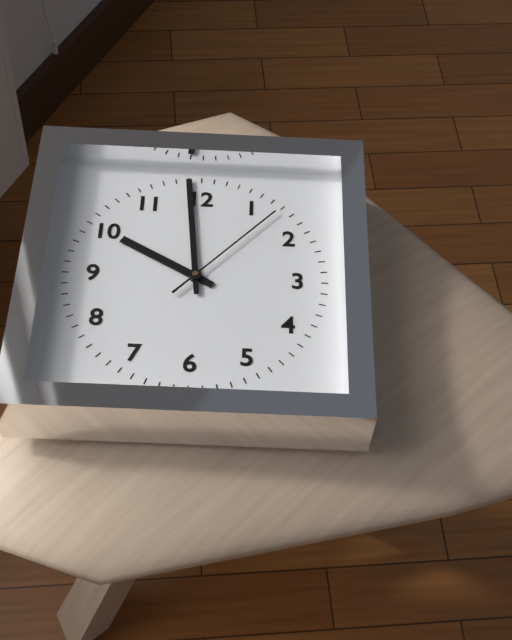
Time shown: {"hour": 9, "minute": 59, "second": 7}
